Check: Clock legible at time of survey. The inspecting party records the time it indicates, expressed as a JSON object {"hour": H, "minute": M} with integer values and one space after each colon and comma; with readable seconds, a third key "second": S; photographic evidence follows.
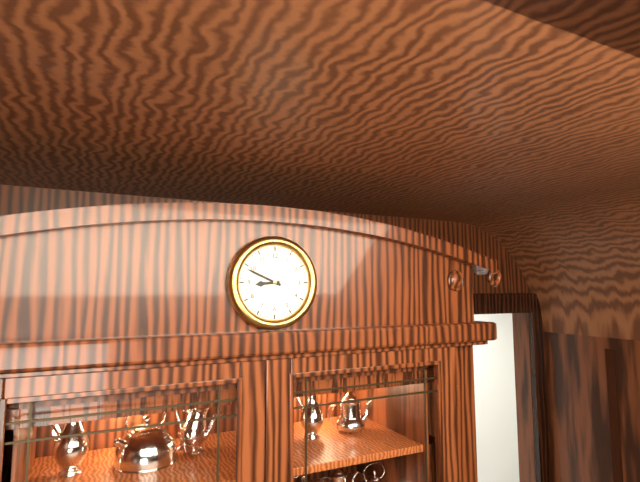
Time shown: {"hour": 8, "minute": 49}
